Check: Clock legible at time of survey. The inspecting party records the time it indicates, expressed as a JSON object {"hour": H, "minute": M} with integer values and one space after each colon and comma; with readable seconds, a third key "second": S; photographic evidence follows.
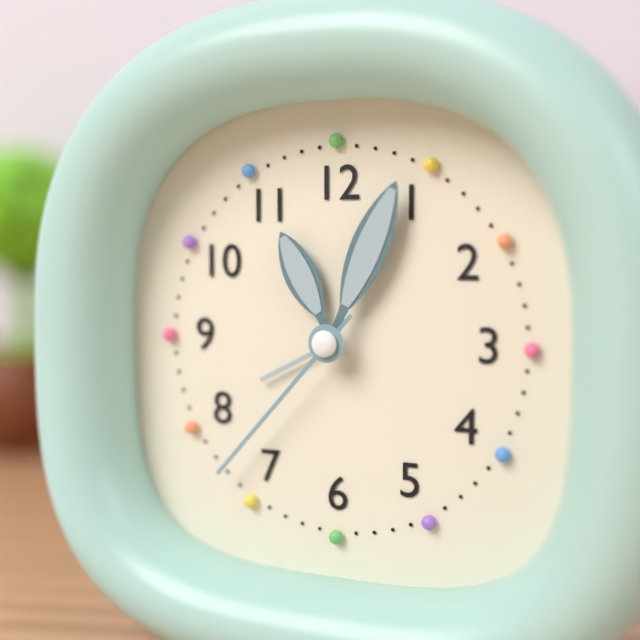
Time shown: {"hour": 11, "minute": 4, "second": 37}
